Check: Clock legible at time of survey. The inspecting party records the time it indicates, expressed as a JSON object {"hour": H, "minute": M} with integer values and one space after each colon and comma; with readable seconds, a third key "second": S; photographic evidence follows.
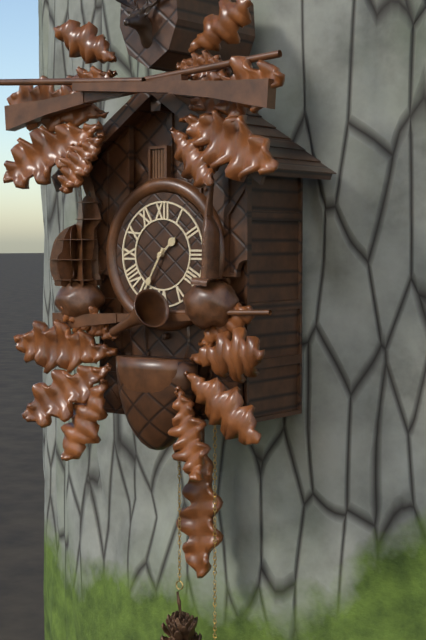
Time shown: {"hour": 1, "minute": 35}
